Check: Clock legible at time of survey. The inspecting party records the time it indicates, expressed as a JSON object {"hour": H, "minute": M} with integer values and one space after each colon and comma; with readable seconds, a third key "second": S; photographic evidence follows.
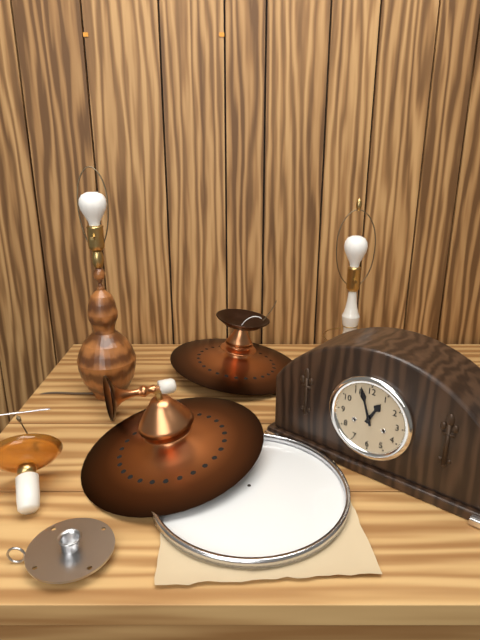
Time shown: {"hour": 12, "minute": 57}
